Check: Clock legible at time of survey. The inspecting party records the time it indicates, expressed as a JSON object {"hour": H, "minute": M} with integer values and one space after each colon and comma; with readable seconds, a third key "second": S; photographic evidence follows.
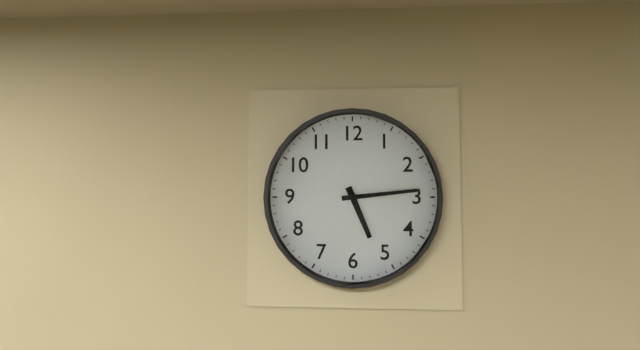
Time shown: {"hour": 5, "minute": 14}
